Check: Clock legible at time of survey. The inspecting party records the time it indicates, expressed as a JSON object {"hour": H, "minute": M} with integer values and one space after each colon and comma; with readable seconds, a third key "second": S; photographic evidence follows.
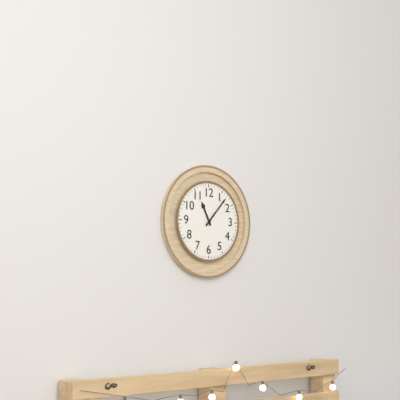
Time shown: {"hour": 11, "minute": 7}
